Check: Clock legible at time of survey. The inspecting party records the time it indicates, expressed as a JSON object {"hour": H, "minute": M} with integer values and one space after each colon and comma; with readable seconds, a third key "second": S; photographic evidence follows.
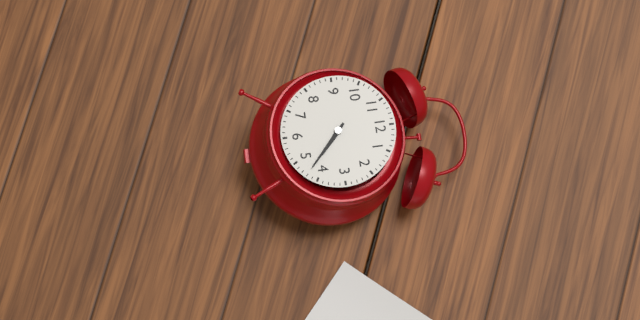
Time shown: {"hour": 4, "minute": 22}
